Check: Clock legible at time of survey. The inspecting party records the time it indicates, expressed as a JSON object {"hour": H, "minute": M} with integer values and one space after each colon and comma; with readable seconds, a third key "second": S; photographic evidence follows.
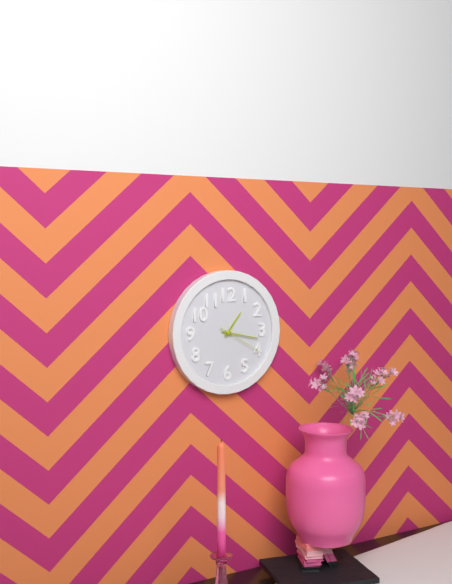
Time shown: {"hour": 1, "minute": 17}
